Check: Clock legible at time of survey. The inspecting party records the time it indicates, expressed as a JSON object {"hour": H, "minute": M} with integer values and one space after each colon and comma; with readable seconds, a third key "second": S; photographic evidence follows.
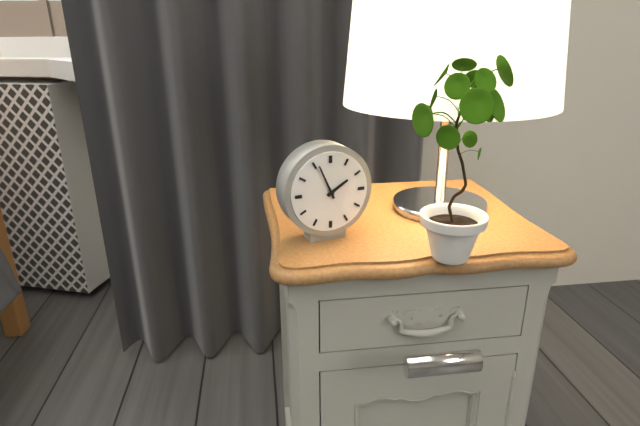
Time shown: {"hour": 1, "minute": 56}
